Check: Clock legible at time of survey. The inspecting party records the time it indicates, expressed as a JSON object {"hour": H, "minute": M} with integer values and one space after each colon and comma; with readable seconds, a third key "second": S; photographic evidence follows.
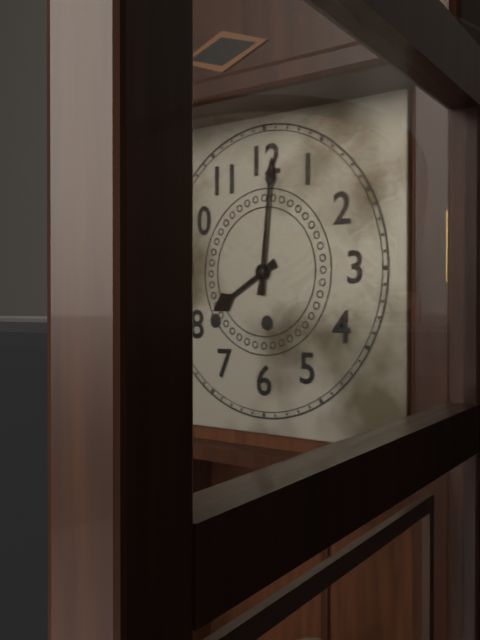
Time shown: {"hour": 8, "minute": 1}
